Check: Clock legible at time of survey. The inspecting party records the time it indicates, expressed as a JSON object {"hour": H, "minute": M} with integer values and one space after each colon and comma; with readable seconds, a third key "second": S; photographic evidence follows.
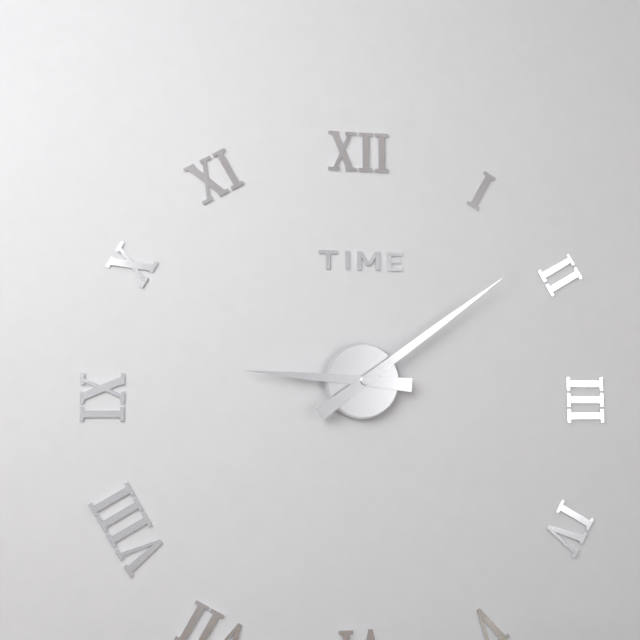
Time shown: {"hour": 9, "minute": 9}
